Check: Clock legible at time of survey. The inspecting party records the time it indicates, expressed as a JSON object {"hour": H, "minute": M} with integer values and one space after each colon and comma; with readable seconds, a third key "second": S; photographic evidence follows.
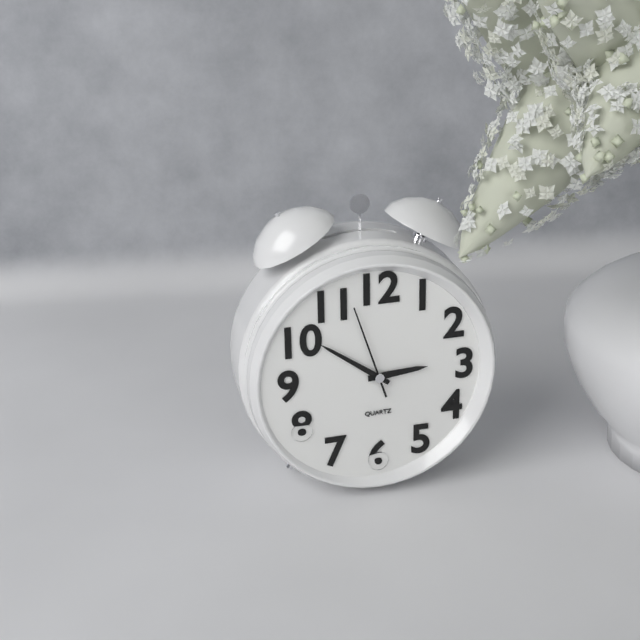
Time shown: {"hour": 2, "minute": 51, "second": 57}
